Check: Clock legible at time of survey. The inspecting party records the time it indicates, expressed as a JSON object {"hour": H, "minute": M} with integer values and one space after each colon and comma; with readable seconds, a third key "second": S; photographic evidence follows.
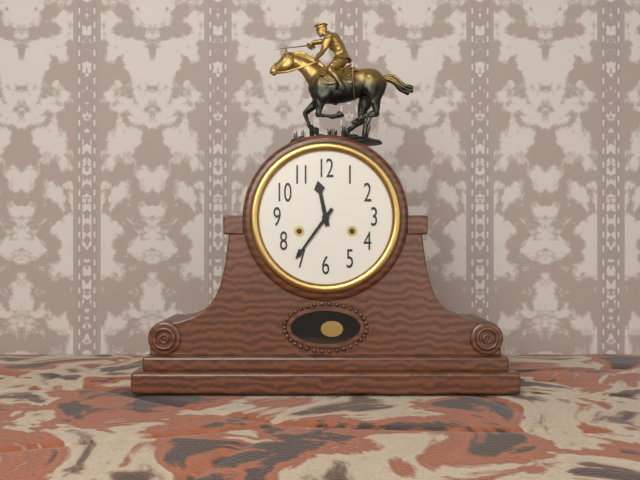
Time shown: {"hour": 11, "minute": 36}
